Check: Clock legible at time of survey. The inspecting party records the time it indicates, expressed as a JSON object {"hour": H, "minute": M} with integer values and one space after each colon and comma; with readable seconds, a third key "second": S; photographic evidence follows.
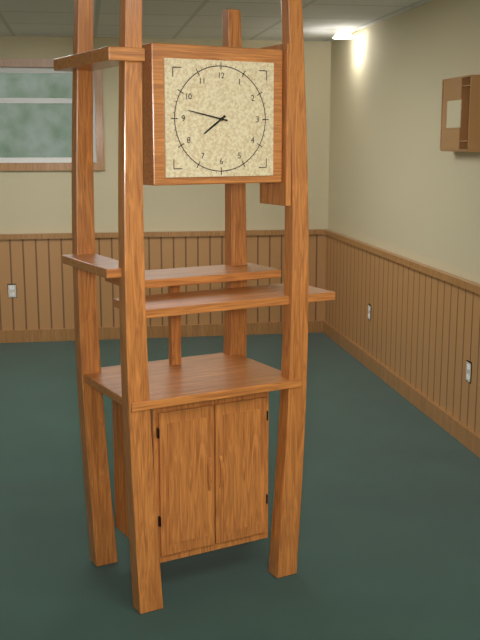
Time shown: {"hour": 7, "minute": 47}
